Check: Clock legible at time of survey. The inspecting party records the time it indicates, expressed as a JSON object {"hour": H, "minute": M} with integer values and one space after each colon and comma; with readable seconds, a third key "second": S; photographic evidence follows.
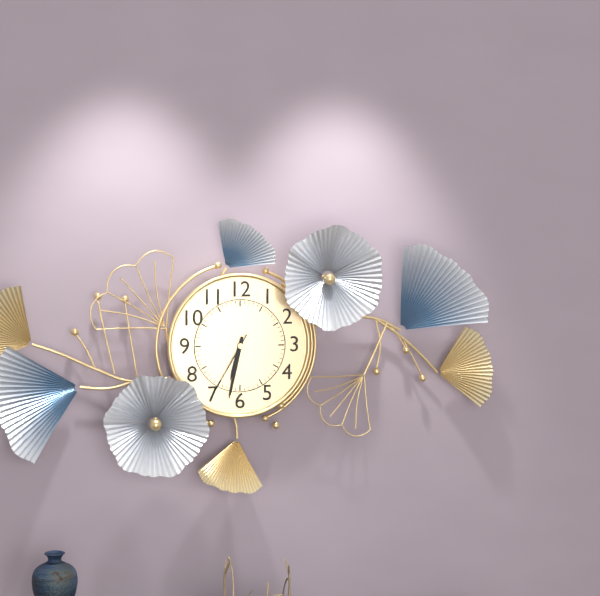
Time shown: {"hour": 6, "minute": 32, "second": 35}
